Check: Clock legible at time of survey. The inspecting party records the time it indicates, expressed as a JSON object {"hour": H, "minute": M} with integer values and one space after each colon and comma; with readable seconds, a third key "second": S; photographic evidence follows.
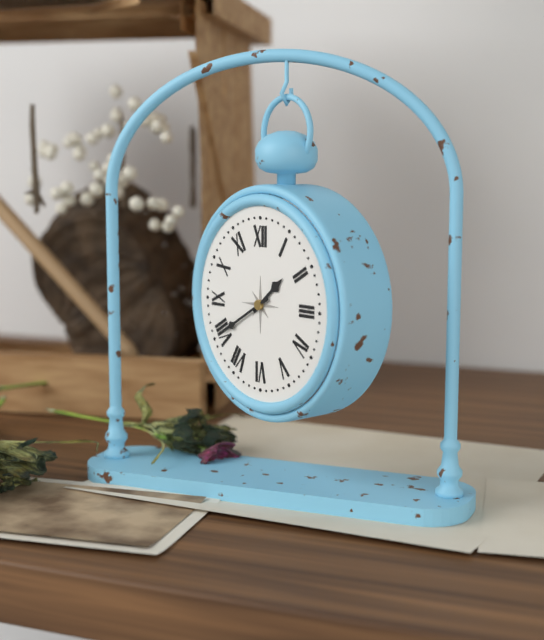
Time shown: {"hour": 1, "minute": 40}
